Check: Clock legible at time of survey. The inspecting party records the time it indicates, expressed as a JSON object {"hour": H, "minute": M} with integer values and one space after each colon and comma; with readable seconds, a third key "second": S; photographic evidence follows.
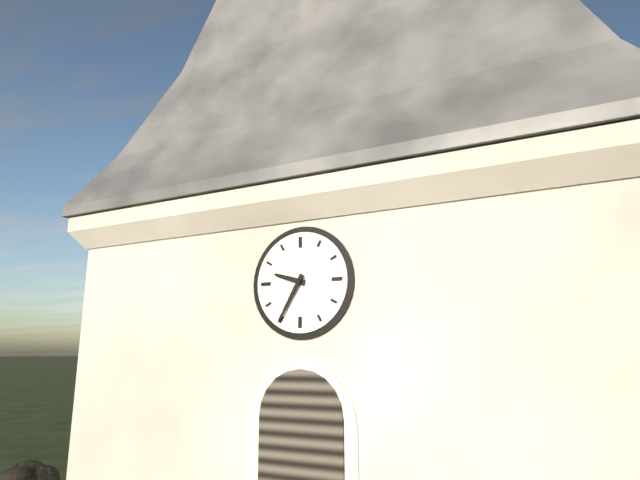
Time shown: {"hour": 9, "minute": 35}
